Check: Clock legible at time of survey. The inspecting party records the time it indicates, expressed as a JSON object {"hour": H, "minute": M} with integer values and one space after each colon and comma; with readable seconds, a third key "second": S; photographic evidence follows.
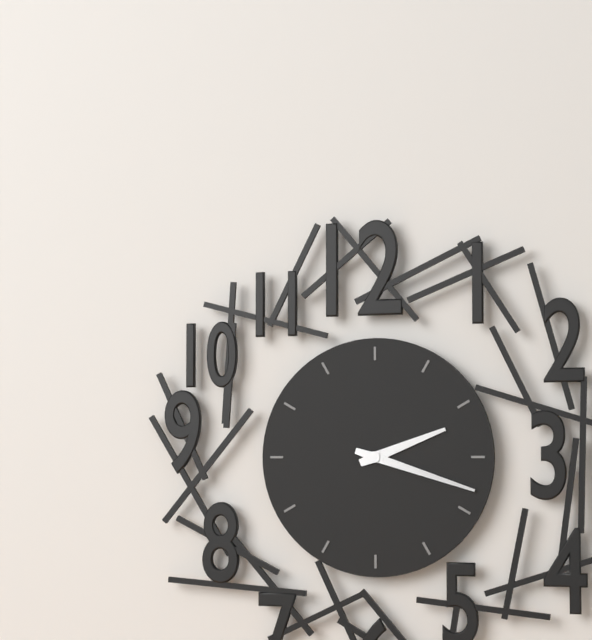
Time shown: {"hour": 2, "minute": 18}
